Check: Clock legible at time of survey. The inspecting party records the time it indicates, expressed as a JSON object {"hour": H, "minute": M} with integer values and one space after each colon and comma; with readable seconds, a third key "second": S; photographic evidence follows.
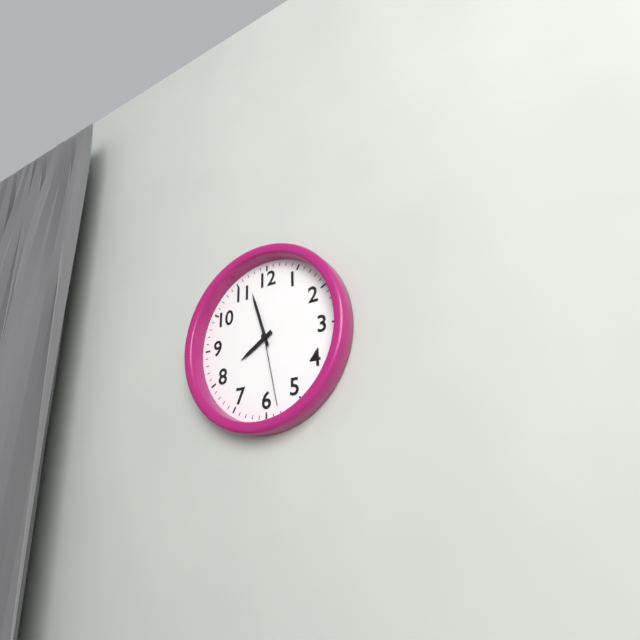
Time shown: {"hour": 7, "minute": 57, "second": 28}
